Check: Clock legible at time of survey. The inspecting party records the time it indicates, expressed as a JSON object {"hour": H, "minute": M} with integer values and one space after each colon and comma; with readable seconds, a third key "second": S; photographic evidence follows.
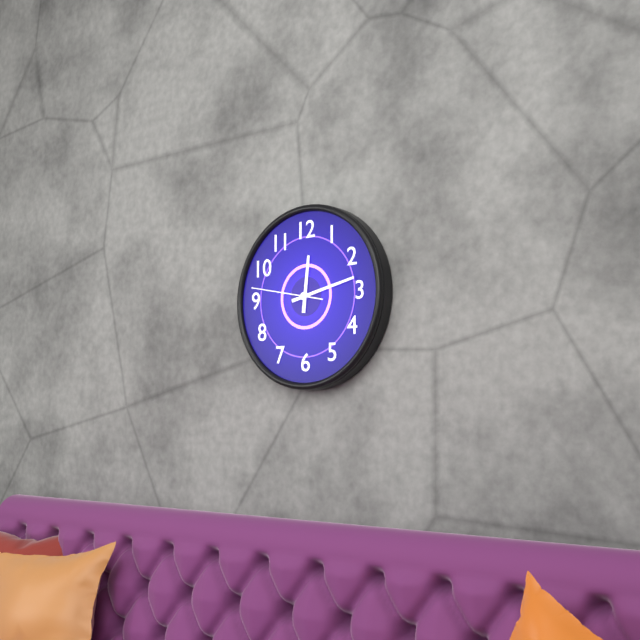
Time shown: {"hour": 12, "minute": 13, "second": 47}
